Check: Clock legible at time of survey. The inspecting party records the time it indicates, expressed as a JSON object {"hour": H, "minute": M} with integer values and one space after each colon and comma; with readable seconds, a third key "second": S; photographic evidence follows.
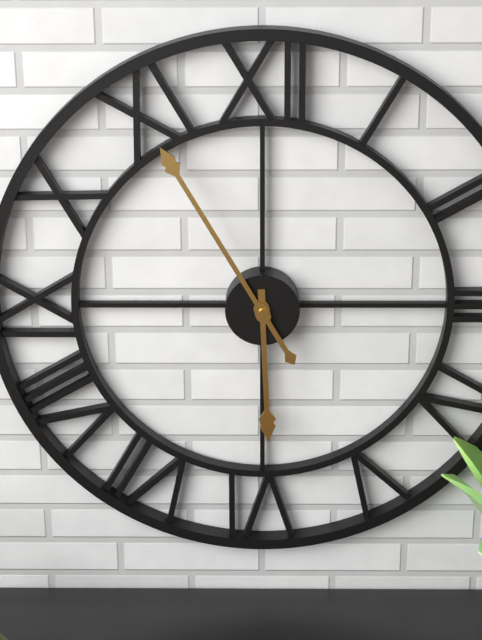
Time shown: {"hour": 5, "minute": 55}
